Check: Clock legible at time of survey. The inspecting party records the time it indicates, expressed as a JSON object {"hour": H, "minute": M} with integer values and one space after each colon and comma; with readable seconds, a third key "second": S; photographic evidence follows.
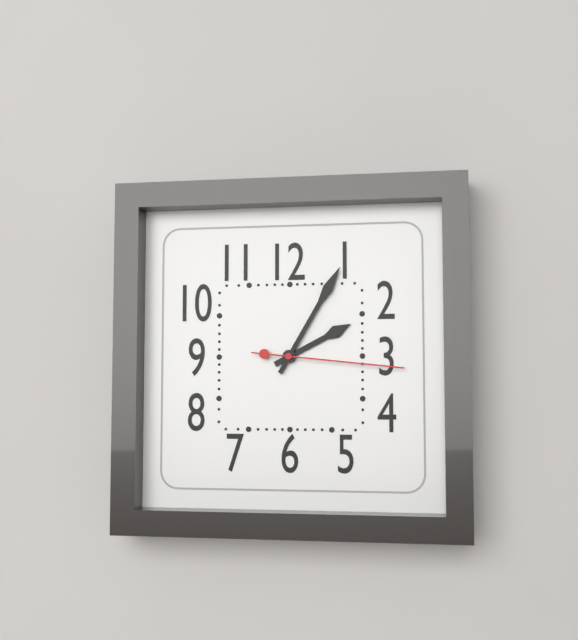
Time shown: {"hour": 2, "minute": 5, "second": 16}
